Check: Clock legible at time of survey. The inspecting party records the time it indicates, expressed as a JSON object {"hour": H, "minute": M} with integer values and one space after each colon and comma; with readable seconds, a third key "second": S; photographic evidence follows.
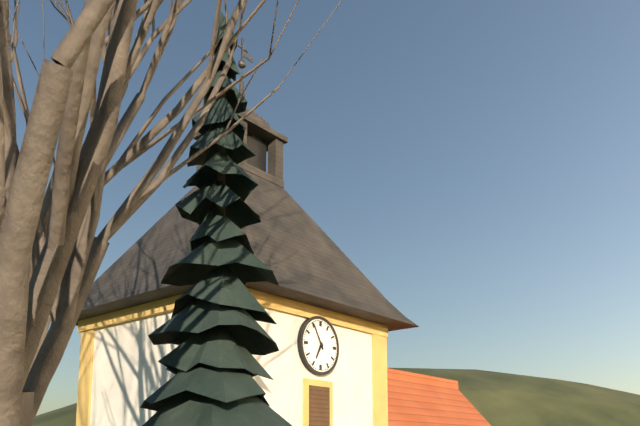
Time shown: {"hour": 6, "minute": 55}
